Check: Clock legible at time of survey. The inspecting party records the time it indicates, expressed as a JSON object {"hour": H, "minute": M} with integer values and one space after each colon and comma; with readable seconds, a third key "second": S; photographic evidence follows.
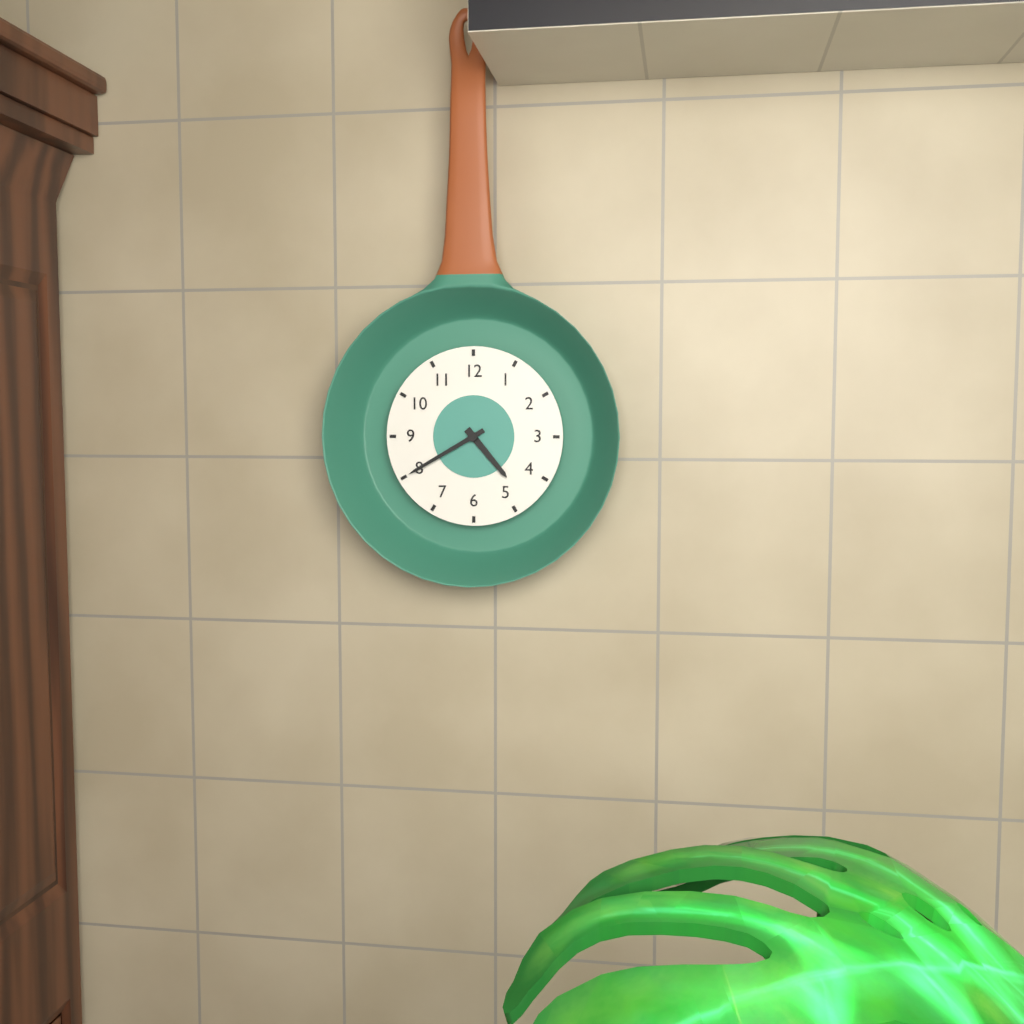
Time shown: {"hour": 4, "minute": 40}
